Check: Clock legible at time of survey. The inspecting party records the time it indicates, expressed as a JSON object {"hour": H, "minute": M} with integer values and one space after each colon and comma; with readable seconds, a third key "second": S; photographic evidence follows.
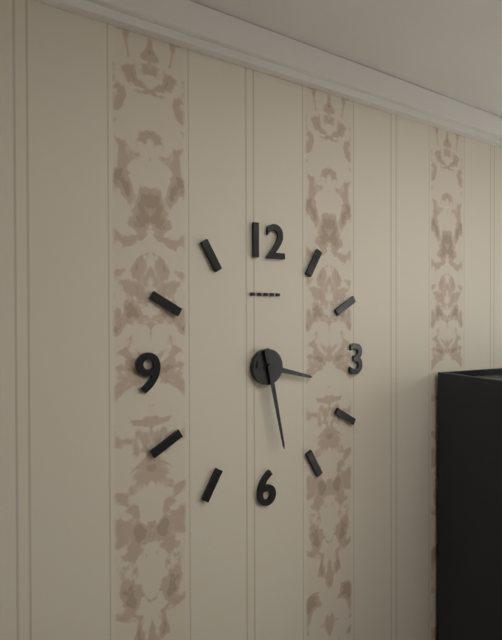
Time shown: {"hour": 3, "minute": 28}
